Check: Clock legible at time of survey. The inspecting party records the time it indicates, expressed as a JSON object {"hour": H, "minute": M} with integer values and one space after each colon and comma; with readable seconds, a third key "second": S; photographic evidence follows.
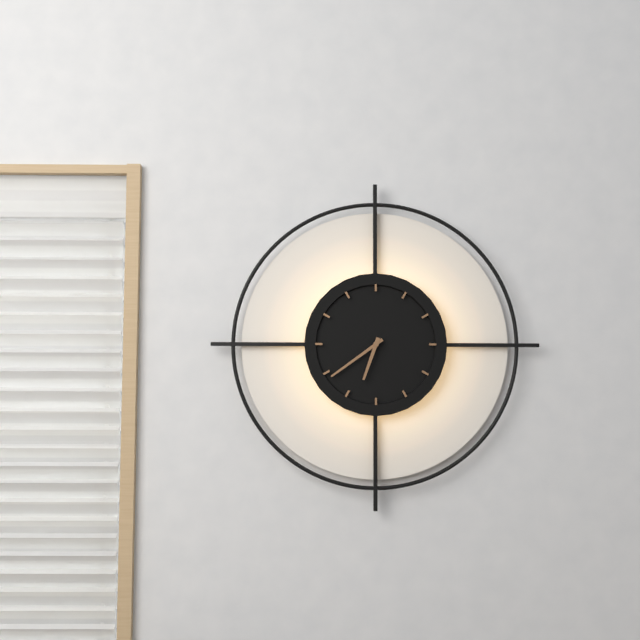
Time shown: {"hour": 6, "minute": 39}
